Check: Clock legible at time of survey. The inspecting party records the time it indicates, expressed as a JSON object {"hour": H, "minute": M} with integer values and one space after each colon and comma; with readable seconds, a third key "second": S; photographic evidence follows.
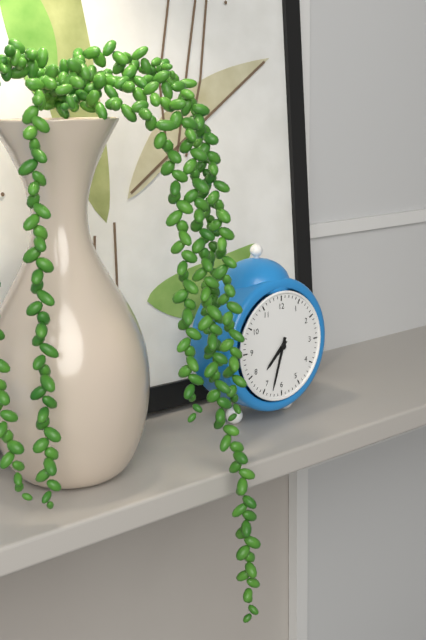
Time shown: {"hour": 7, "minute": 33}
